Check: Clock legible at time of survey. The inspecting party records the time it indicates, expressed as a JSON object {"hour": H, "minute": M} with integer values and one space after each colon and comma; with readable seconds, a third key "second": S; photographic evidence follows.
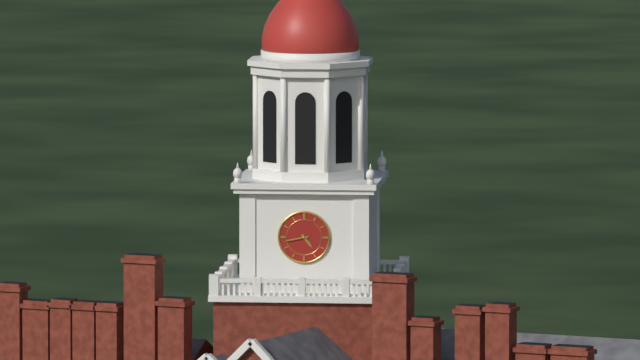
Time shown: {"hour": 4, "minute": 43}
